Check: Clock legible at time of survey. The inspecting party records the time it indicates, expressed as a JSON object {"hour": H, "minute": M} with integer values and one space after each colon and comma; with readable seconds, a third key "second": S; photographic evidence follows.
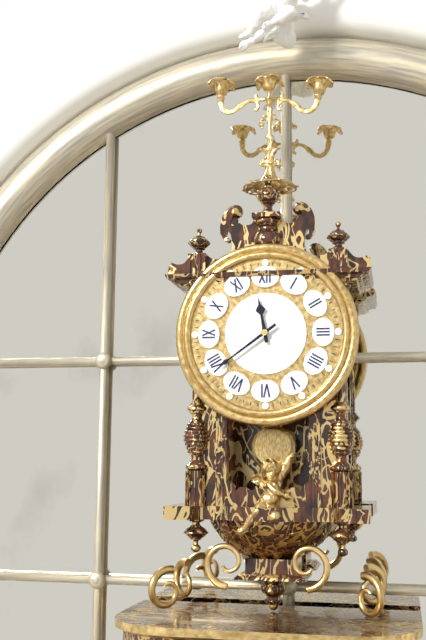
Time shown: {"hour": 11, "minute": 39}
